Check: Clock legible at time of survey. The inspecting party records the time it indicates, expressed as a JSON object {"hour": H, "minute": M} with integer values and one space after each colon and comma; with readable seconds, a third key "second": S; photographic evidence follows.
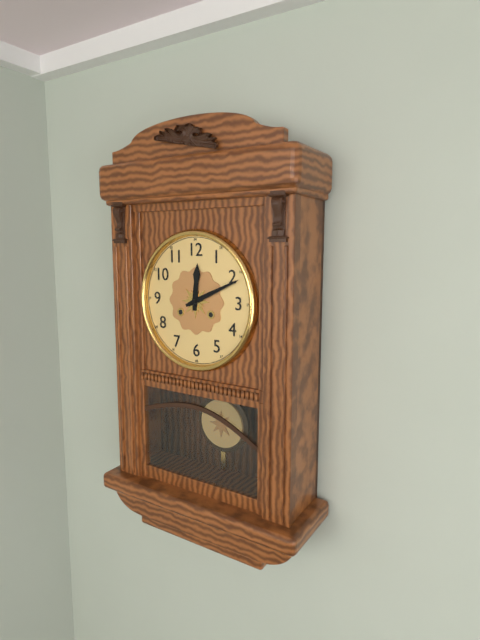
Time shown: {"hour": 12, "minute": 11}
